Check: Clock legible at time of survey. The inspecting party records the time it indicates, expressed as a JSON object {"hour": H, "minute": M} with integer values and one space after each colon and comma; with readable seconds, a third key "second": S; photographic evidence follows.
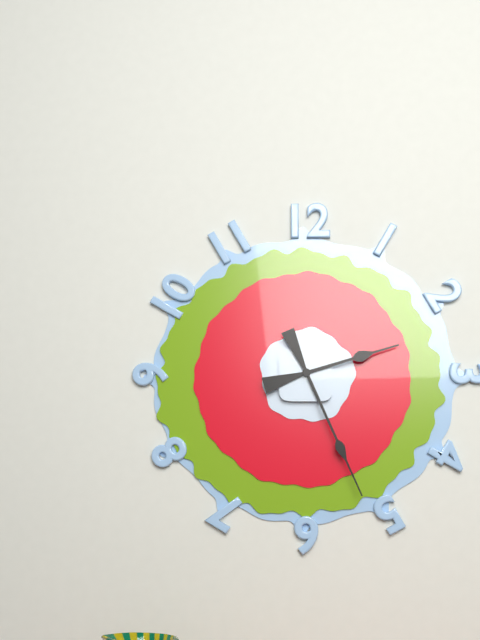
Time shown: {"hour": 2, "minute": 26}
